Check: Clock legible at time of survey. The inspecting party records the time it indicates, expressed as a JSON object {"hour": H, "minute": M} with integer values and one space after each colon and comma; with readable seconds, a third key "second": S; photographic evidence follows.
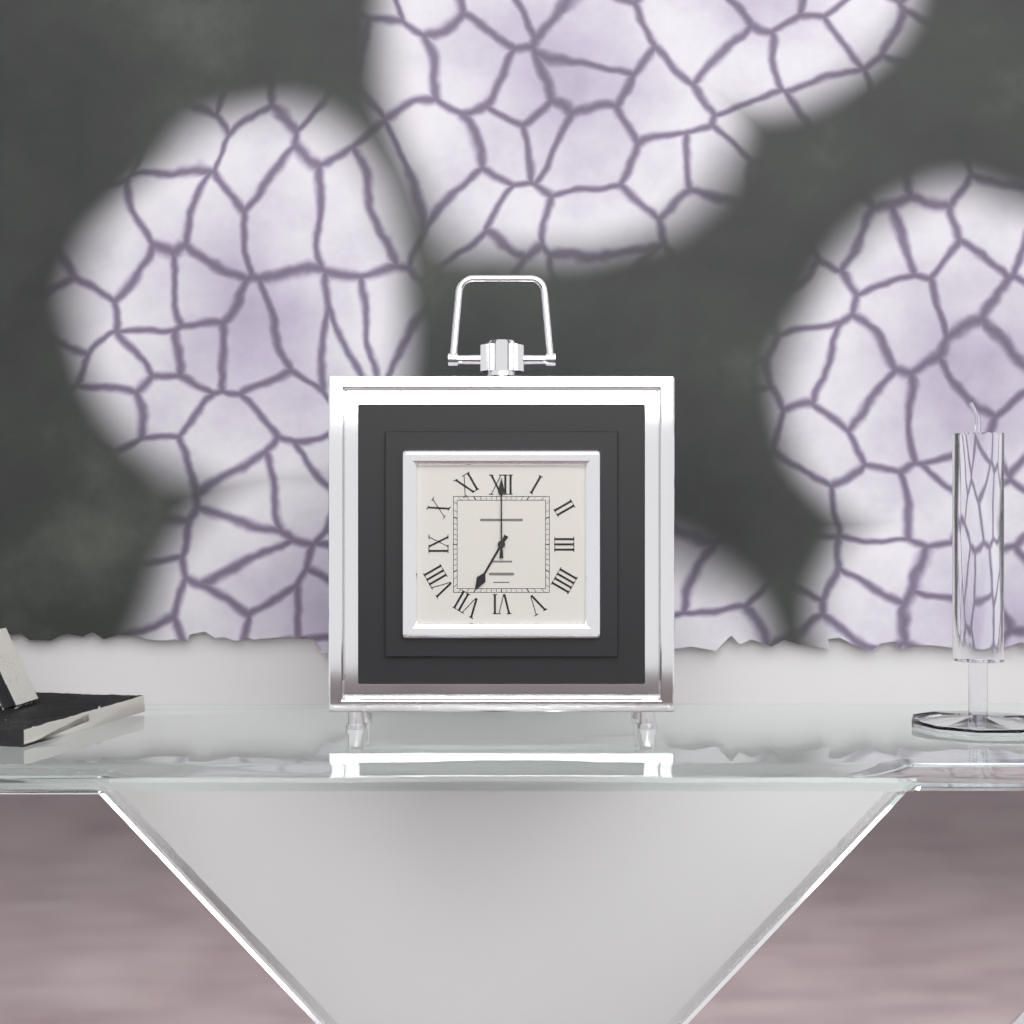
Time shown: {"hour": 7, "minute": 0}
